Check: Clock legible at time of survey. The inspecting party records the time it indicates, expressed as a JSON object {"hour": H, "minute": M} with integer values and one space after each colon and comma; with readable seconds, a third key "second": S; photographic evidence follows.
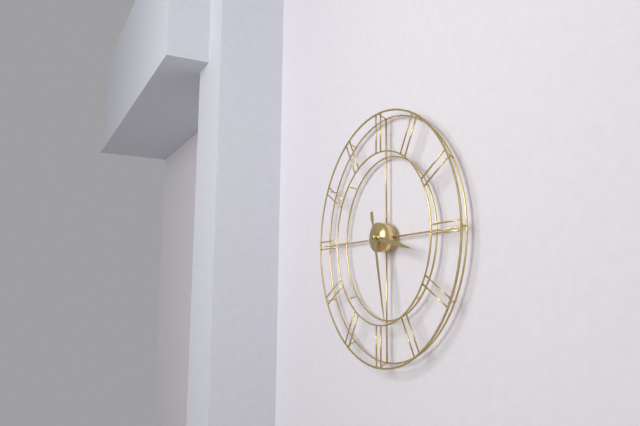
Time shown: {"hour": 3, "minute": 28}
